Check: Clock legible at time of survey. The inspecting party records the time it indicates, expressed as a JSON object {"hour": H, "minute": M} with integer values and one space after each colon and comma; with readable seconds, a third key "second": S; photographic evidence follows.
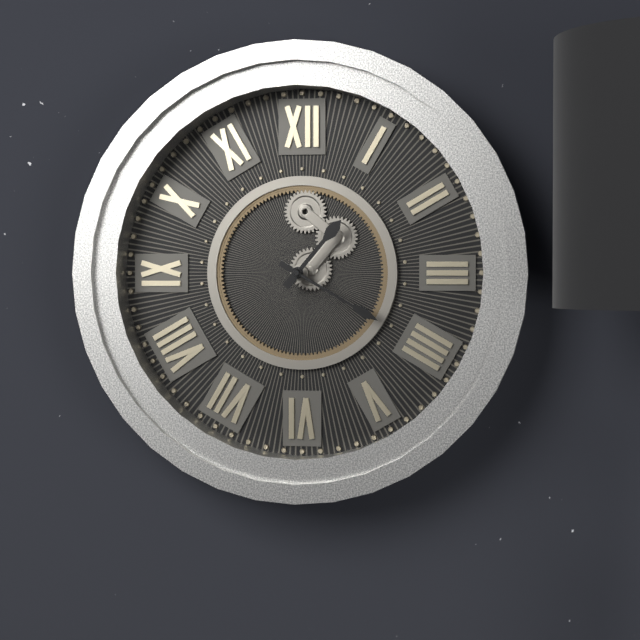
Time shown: {"hour": 1, "minute": 20}
